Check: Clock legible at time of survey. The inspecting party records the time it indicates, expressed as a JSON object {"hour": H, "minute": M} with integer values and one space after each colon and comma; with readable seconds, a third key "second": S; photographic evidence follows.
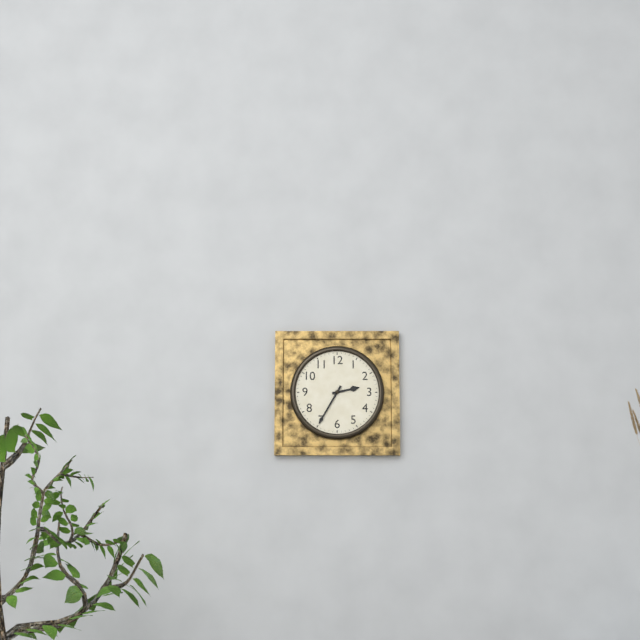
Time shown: {"hour": 2, "minute": 35}
